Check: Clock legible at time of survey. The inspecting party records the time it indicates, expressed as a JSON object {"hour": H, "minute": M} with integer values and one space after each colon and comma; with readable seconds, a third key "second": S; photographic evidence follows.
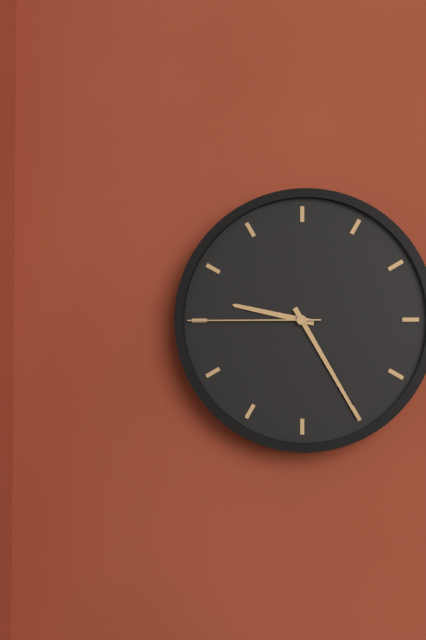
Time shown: {"hour": 9, "minute": 25, "second": 45}
